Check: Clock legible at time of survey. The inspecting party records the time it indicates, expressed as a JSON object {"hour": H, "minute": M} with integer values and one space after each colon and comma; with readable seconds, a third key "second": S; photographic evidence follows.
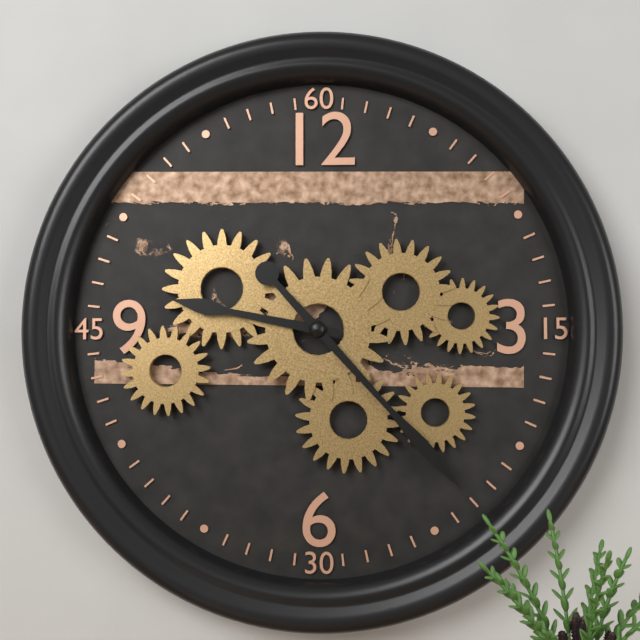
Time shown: {"hour": 9, "minute": 23}
